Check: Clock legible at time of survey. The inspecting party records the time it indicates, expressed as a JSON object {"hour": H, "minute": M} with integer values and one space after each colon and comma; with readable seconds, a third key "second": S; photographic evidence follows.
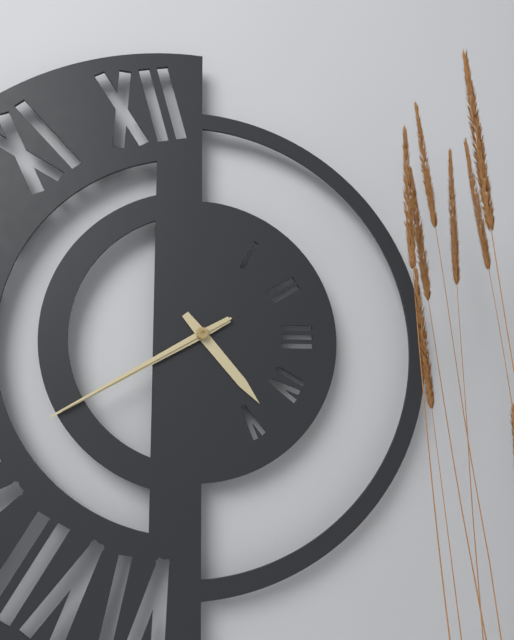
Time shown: {"hour": 4, "minute": 40, "second": 40}
